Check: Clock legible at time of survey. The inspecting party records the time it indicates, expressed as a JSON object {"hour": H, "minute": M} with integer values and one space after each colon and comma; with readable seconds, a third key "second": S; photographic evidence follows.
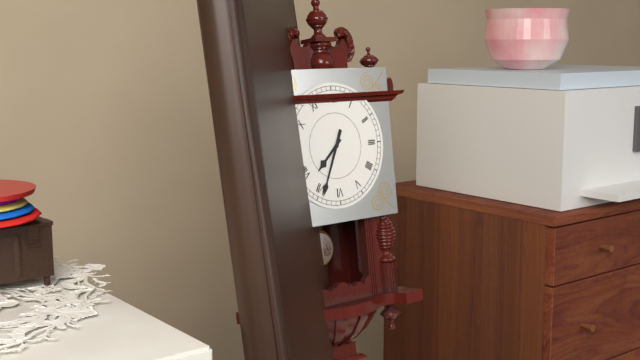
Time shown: {"hour": 7, "minute": 34}
